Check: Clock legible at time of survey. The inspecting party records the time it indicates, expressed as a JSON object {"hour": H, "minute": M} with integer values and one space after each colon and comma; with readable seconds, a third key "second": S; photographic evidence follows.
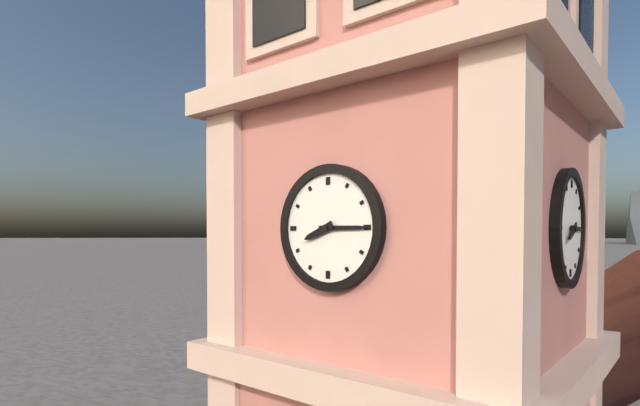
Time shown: {"hour": 8, "minute": 15}
